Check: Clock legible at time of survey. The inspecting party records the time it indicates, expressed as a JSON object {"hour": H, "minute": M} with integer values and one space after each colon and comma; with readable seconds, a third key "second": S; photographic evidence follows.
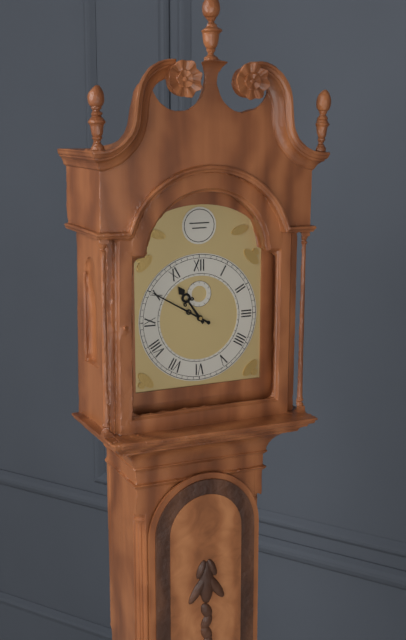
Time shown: {"hour": 10, "minute": 50}
